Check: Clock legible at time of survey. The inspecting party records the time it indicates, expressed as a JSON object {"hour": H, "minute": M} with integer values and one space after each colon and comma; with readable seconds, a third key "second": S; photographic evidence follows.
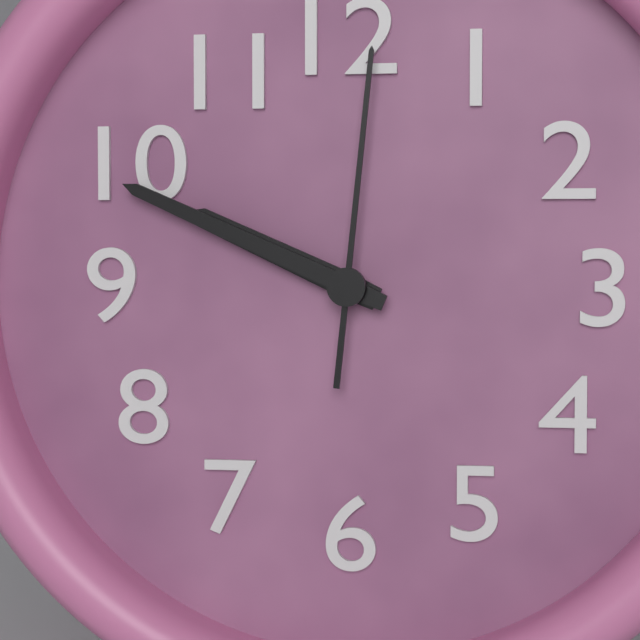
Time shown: {"hour": 9, "minute": 49, "second": 1}
